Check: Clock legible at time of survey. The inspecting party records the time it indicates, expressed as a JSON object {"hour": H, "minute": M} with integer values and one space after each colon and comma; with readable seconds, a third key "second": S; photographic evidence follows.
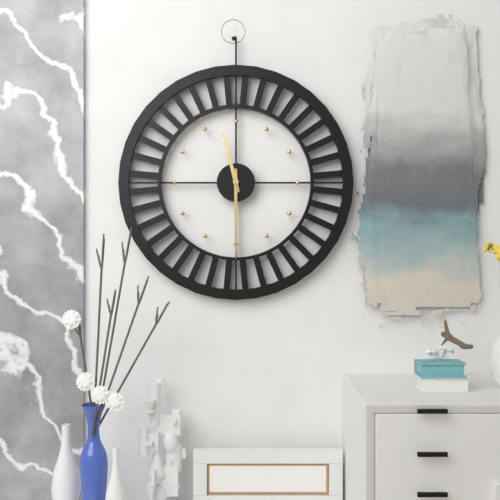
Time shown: {"hour": 11, "minute": 30}
